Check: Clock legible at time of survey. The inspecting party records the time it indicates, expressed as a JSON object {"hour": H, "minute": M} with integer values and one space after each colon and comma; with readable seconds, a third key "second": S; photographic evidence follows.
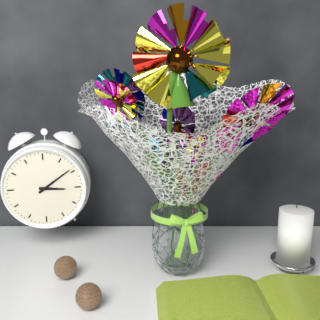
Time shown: {"hour": 3, "minute": 9}
